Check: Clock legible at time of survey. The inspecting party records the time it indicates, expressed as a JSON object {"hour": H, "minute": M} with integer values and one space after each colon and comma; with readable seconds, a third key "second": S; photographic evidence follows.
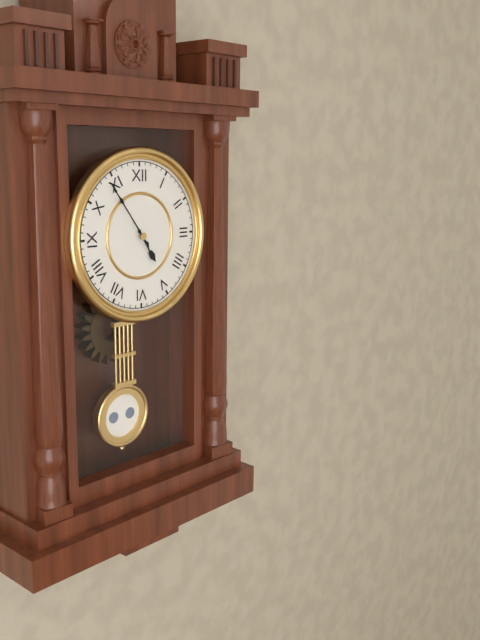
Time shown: {"hour": 4, "minute": 54}
